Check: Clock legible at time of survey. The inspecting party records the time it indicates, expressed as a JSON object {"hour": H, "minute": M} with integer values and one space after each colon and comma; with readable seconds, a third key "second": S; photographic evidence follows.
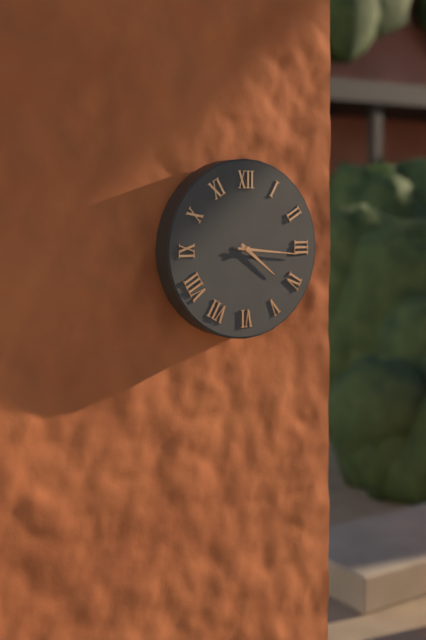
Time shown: {"hour": 4, "minute": 16}
